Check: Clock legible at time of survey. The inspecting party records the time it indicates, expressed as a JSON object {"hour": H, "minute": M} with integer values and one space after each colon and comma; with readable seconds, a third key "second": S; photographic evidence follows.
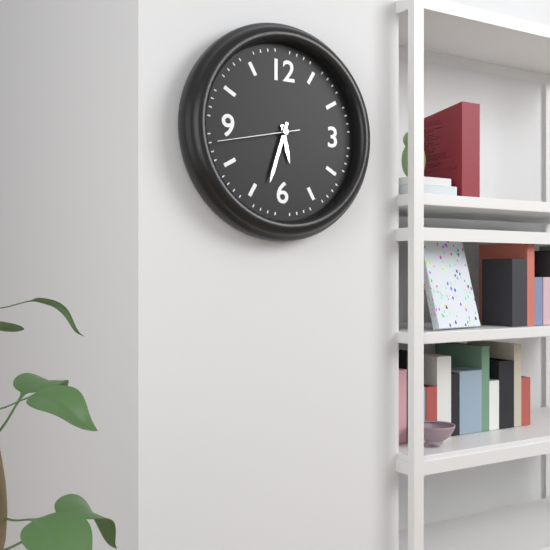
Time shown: {"hour": 5, "minute": 33, "second": 43}
